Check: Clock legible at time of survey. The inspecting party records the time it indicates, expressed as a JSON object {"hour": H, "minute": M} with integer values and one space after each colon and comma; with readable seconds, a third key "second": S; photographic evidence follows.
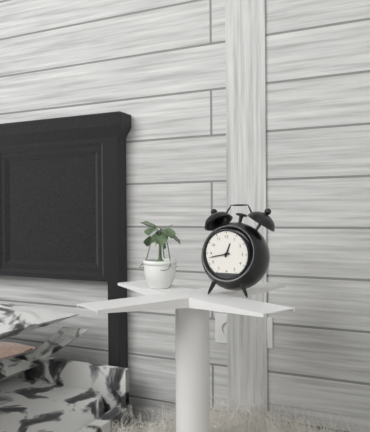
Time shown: {"hour": 12, "minute": 43}
